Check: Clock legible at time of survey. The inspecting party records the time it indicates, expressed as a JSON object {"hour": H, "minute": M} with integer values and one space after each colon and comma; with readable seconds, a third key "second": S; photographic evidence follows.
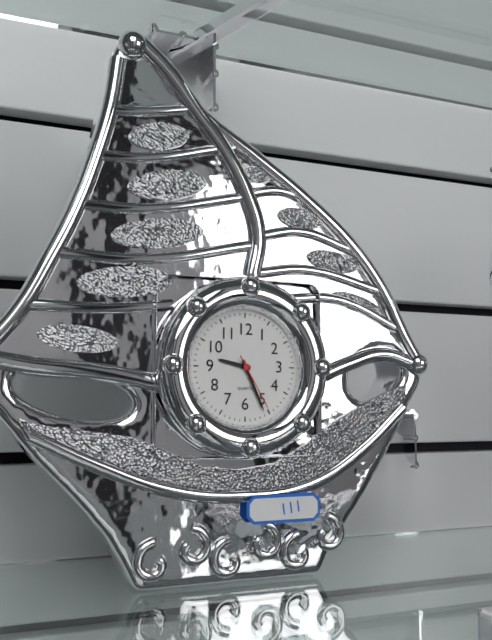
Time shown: {"hour": 9, "minute": 26, "second": 25}
